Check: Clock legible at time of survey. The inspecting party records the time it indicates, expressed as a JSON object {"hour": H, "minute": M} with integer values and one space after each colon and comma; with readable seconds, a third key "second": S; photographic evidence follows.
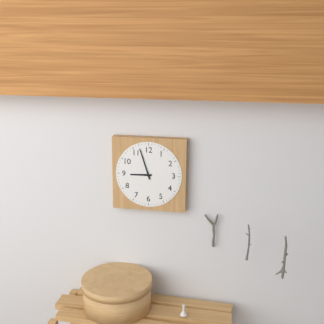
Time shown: {"hour": 8, "minute": 57}
